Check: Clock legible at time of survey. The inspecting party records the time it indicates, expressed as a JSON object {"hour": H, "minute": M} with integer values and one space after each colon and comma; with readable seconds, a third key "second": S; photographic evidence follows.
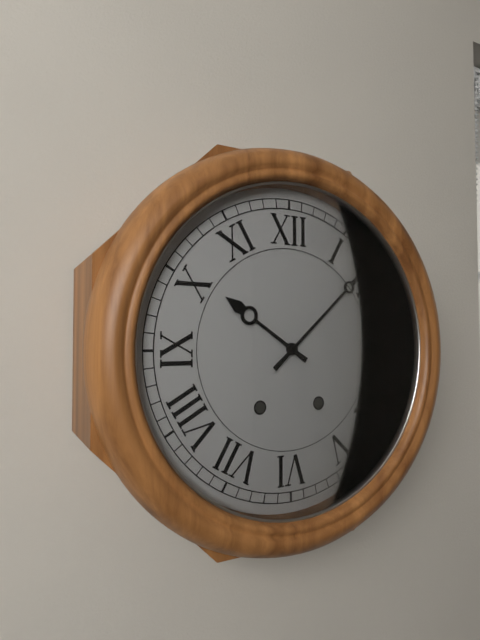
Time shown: {"hour": 10, "minute": 8}
